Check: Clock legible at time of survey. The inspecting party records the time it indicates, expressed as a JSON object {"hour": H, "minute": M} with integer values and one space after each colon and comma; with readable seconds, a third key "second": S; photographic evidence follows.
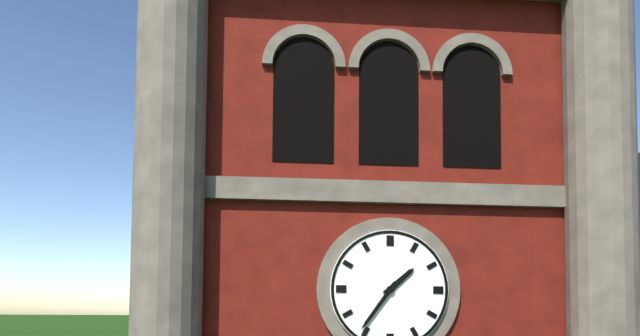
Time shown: {"hour": 1, "minute": 36}
